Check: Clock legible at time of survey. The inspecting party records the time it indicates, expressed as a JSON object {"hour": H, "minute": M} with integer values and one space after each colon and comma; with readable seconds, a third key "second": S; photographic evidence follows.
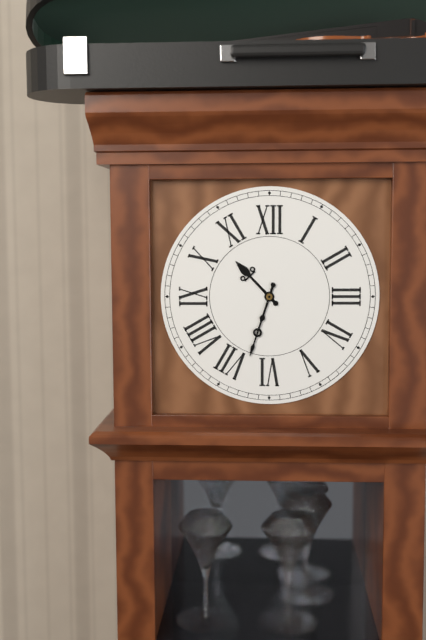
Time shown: {"hour": 10, "minute": 33}
